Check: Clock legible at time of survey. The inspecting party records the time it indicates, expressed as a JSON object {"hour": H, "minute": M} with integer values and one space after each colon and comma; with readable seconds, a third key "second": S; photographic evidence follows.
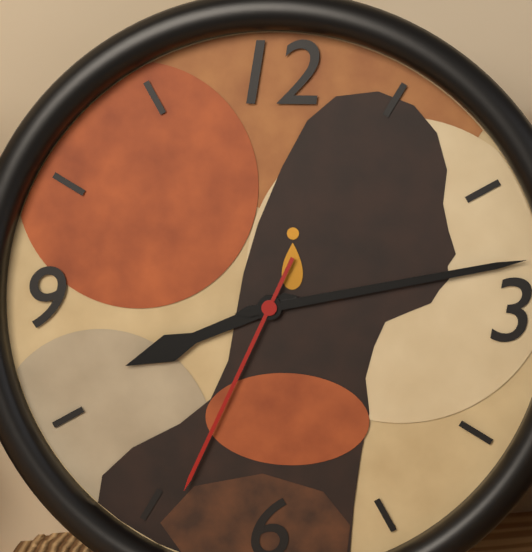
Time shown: {"hour": 8, "minute": 13, "second": 34}
